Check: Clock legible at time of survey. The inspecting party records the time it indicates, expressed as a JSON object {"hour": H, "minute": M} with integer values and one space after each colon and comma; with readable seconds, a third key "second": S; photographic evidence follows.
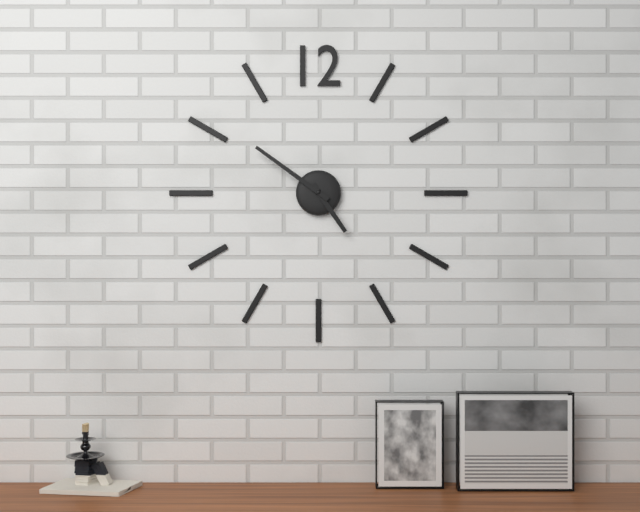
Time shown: {"hour": 4, "minute": 51}
